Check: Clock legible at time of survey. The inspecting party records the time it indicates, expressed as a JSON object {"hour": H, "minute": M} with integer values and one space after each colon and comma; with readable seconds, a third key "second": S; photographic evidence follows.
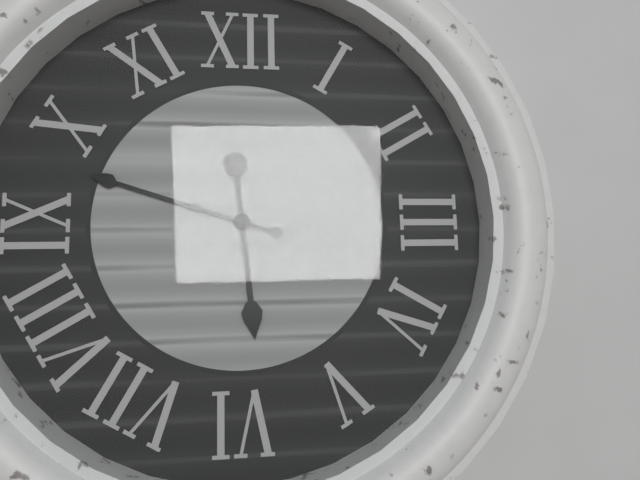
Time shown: {"hour": 5, "minute": 48}
